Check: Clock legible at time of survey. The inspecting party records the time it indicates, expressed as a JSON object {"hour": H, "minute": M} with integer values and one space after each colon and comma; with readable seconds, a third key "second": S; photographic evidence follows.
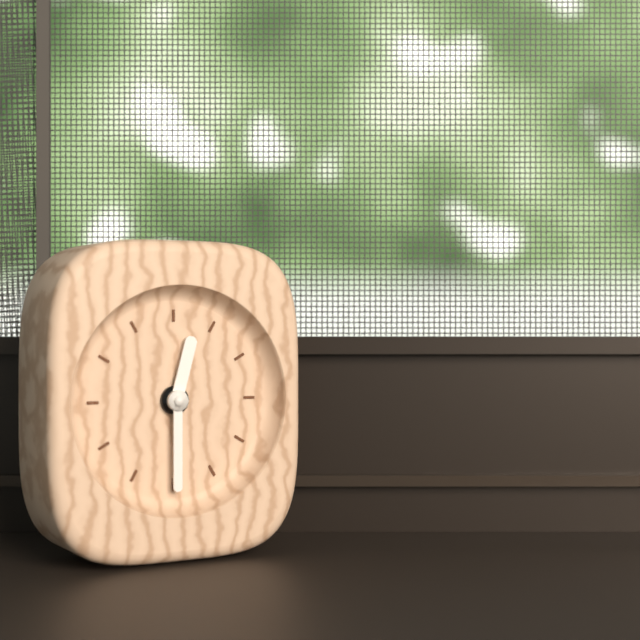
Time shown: {"hour": 12, "minute": 30}
